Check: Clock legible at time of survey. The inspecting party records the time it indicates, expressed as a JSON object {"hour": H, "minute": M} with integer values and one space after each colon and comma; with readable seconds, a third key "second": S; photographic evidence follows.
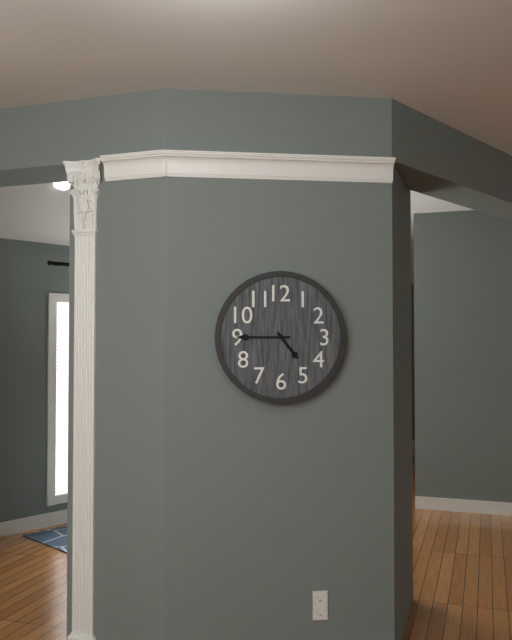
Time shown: {"hour": 4, "minute": 45}
